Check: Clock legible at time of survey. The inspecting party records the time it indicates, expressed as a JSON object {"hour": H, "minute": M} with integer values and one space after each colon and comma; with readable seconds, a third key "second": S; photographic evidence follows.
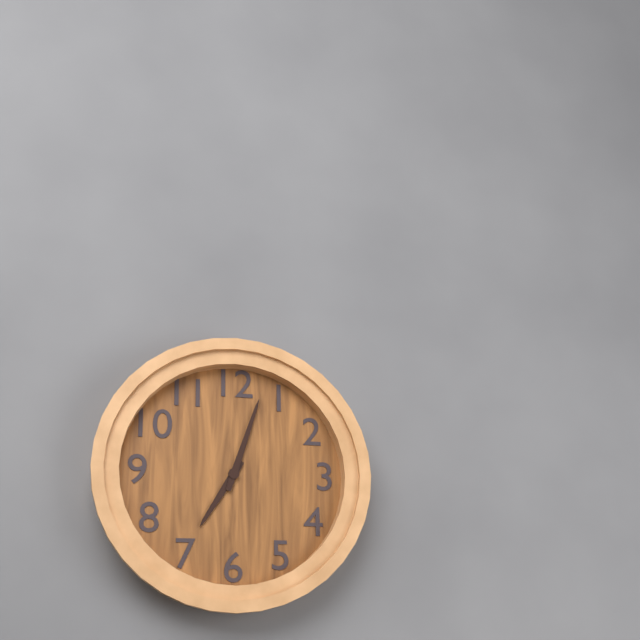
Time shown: {"hour": 7, "minute": 3}
